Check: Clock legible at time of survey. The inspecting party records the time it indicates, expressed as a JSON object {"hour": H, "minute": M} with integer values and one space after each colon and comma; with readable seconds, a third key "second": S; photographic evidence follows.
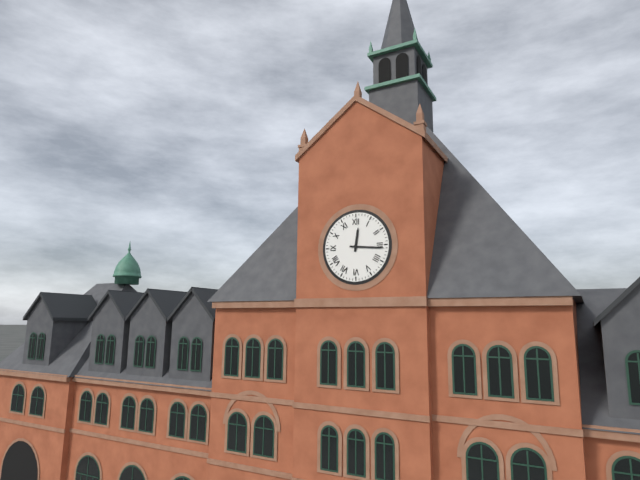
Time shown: {"hour": 12, "minute": 16}
